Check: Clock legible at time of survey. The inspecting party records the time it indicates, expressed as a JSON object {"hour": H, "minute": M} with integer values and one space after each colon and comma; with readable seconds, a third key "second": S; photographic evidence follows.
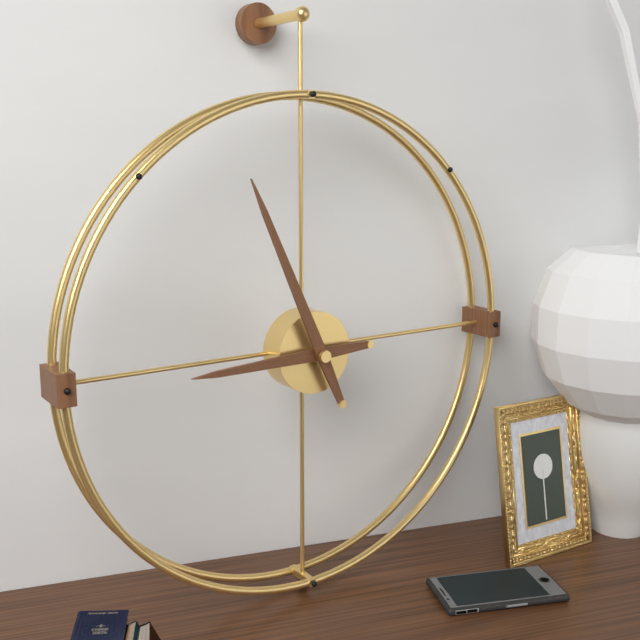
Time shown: {"hour": 8, "minute": 56}
